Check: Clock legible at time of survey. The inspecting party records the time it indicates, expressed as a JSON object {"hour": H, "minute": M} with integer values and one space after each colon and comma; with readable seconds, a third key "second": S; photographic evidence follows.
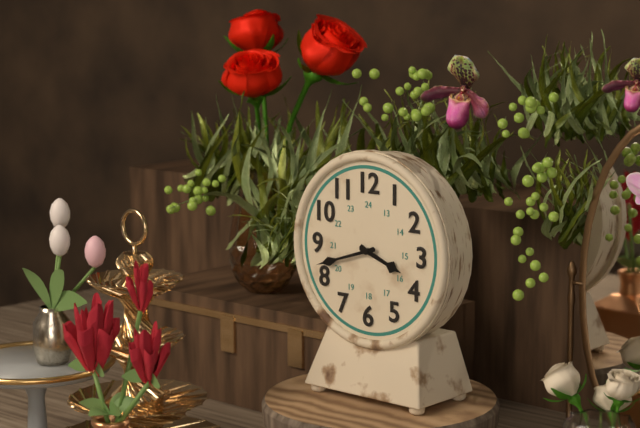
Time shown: {"hour": 3, "minute": 42}
